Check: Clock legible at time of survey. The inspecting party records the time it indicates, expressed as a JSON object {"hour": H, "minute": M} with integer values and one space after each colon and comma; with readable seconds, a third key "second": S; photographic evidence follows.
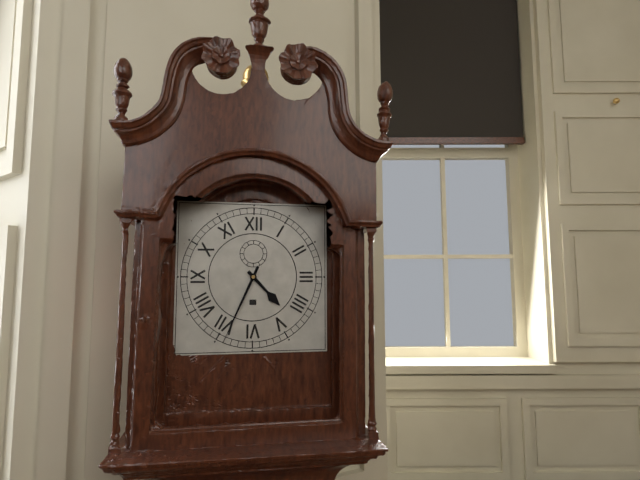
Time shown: {"hour": 4, "minute": 34}
